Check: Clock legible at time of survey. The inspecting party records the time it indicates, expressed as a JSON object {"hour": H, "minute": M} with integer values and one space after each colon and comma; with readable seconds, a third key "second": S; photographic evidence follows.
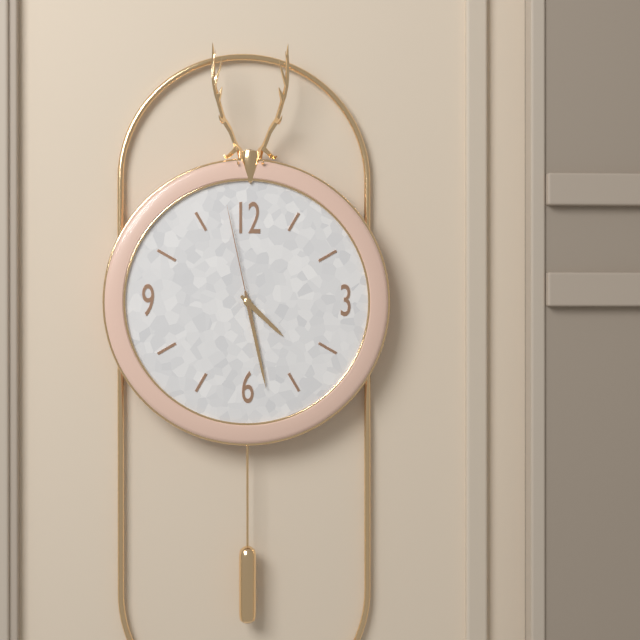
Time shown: {"hour": 4, "minute": 28, "second": 58}
